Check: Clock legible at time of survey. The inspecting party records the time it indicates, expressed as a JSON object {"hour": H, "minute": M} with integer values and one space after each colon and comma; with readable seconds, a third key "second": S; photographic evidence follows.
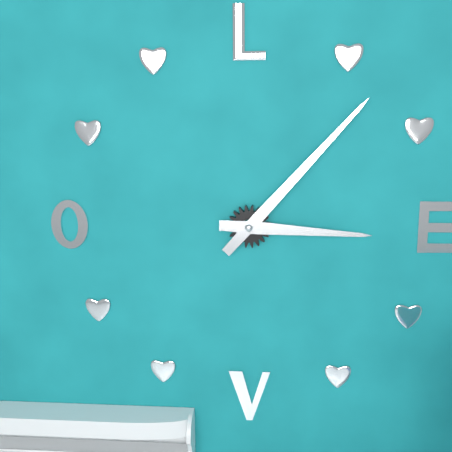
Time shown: {"hour": 3, "minute": 7}
